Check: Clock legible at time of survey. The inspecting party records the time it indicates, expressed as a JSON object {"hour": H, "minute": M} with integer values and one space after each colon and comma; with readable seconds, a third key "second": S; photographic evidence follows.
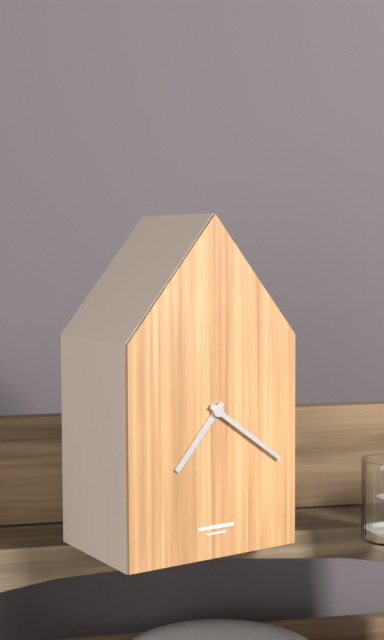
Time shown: {"hour": 7, "minute": 21}
